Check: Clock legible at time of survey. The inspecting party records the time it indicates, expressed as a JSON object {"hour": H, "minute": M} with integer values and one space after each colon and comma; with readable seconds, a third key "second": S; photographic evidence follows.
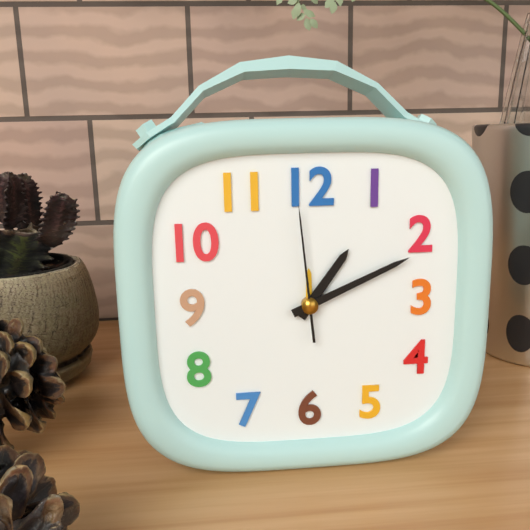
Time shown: {"hour": 1, "minute": 11, "second": 59}
